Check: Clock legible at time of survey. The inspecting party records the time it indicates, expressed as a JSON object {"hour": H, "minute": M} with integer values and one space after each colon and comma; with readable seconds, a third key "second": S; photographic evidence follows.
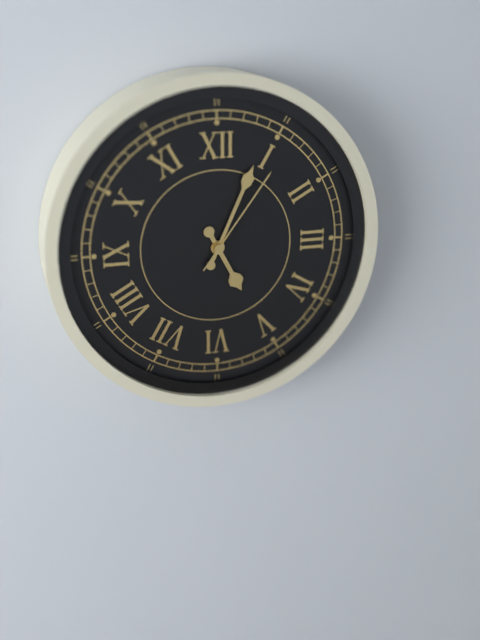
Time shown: {"hour": 5, "minute": 4, "second": 6}
